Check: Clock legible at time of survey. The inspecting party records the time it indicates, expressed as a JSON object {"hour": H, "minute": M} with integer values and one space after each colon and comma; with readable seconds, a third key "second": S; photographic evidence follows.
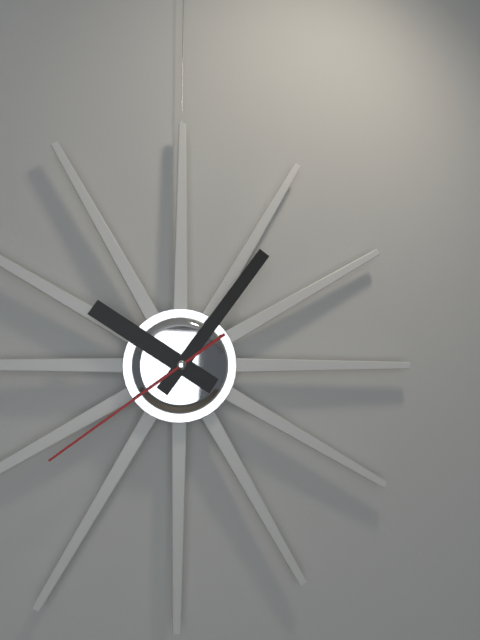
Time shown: {"hour": 10, "minute": 6, "second": 39}
